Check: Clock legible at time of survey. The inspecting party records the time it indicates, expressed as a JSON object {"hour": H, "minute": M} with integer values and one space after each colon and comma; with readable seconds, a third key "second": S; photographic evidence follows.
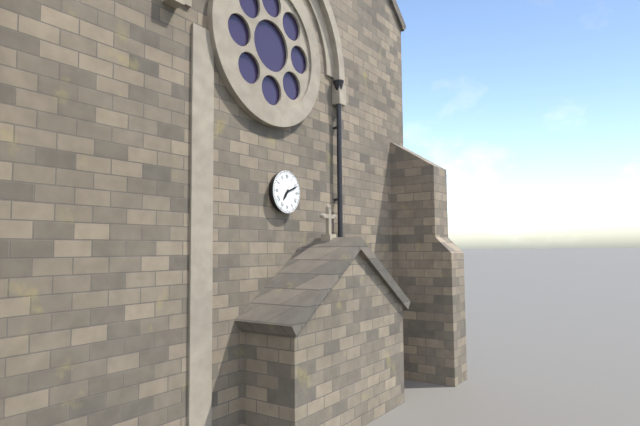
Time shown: {"hour": 7, "minute": 11}
